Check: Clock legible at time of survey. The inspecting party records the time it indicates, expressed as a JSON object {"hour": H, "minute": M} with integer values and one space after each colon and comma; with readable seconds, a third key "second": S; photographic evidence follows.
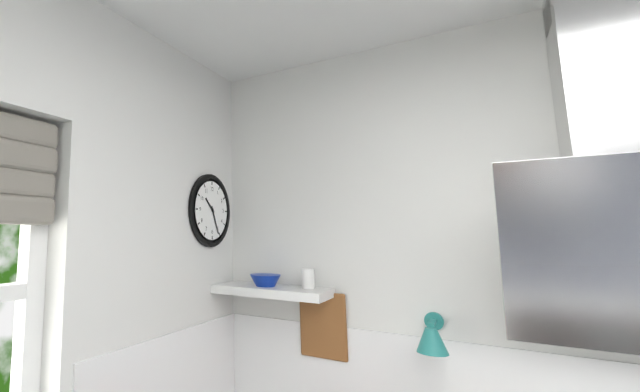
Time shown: {"hour": 10, "minute": 26}
